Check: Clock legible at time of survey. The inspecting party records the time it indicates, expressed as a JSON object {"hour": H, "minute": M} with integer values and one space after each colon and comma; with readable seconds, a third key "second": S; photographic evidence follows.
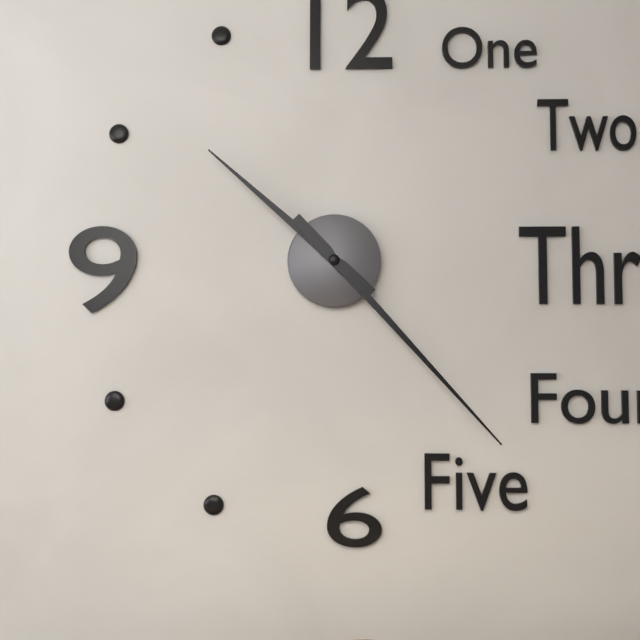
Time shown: {"hour": 10, "minute": 23}
